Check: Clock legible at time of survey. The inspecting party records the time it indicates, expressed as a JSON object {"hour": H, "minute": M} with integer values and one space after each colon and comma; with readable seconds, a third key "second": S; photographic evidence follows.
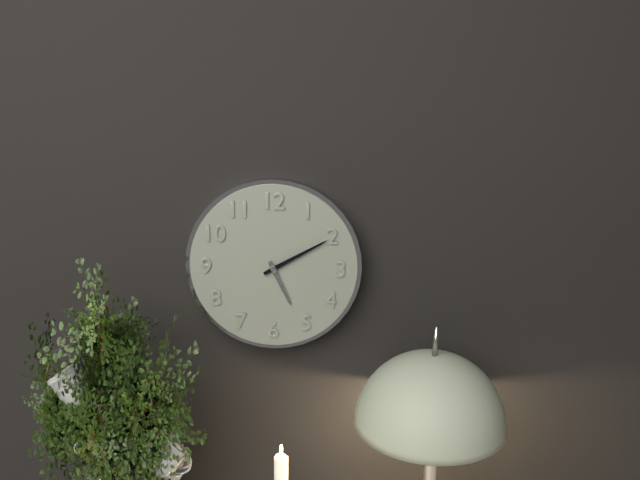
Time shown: {"hour": 5, "minute": 10}
